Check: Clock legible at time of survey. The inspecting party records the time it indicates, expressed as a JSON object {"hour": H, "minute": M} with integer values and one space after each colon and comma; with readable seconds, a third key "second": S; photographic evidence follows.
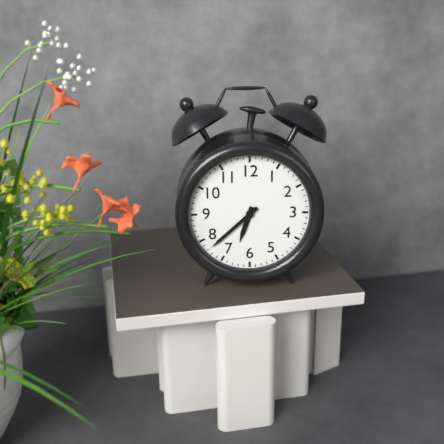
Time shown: {"hour": 6, "minute": 38}
